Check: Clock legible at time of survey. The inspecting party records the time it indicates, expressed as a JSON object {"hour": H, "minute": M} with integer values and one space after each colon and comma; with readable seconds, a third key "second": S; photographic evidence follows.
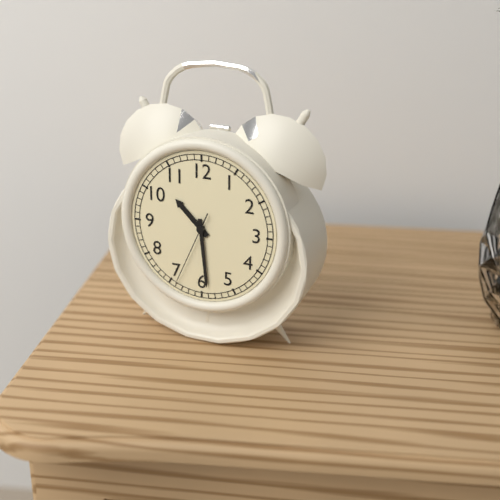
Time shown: {"hour": 10, "minute": 29, "second": 34}
